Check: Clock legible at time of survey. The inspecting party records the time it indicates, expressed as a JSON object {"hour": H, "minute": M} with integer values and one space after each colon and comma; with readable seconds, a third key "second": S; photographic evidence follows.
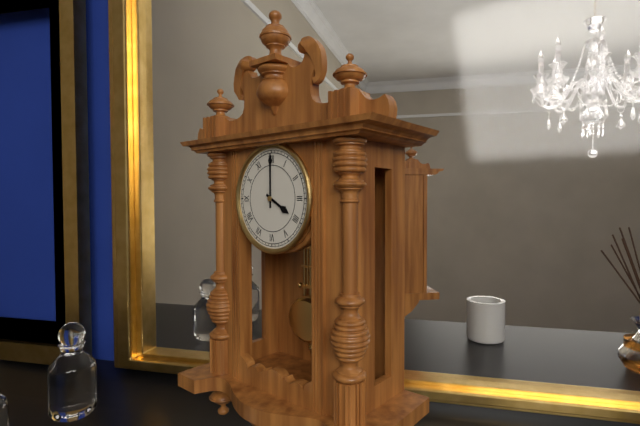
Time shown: {"hour": 4, "minute": 0}
